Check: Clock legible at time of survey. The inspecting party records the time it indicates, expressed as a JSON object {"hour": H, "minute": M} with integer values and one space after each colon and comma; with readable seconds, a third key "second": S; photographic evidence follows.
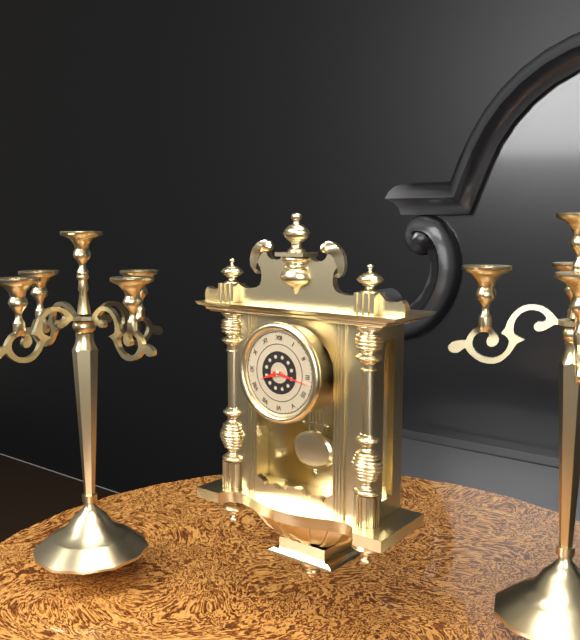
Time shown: {"hour": 8, "minute": 17}
